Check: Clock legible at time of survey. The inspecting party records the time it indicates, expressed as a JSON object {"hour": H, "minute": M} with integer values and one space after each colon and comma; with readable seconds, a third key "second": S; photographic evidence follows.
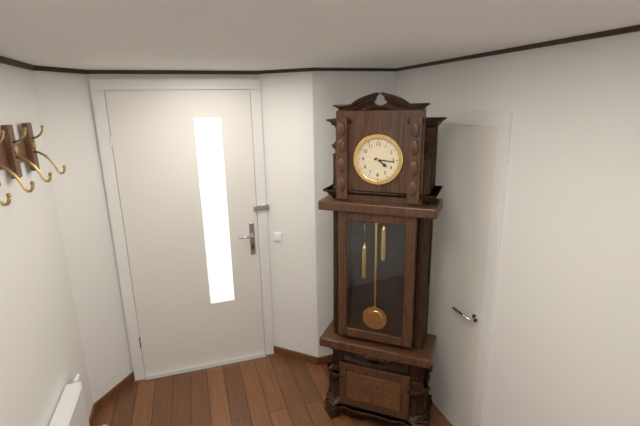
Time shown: {"hour": 4, "minute": 16}
